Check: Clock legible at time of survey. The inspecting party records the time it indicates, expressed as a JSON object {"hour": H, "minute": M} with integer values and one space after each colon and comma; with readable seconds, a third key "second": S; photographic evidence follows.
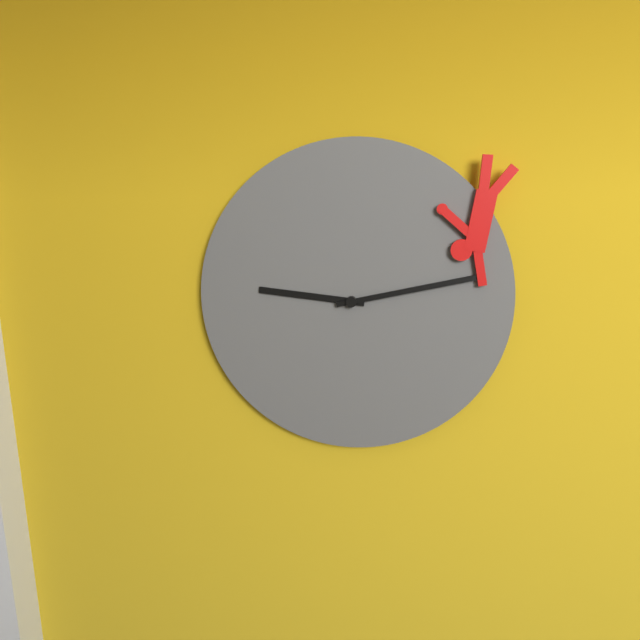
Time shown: {"hour": 9, "minute": 13}
